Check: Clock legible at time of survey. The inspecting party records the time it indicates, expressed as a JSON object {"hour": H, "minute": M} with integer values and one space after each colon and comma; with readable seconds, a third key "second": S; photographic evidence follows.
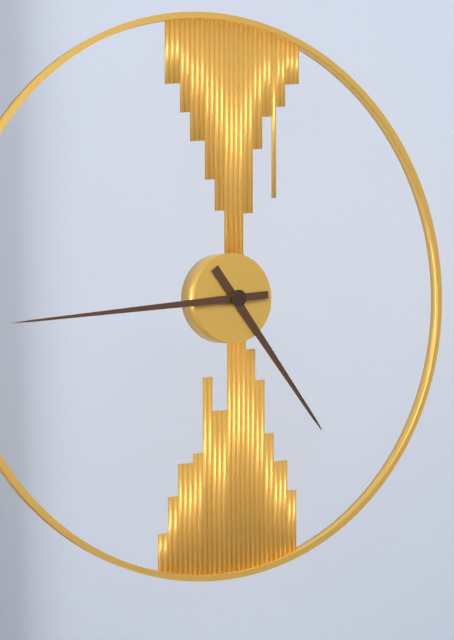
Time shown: {"hour": 4, "minute": 44}
